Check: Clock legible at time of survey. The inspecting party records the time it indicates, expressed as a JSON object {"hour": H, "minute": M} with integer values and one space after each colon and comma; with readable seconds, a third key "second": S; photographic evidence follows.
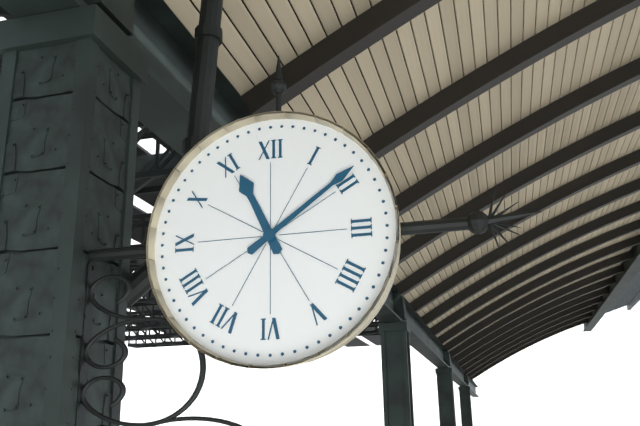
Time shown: {"hour": 11, "minute": 9}
